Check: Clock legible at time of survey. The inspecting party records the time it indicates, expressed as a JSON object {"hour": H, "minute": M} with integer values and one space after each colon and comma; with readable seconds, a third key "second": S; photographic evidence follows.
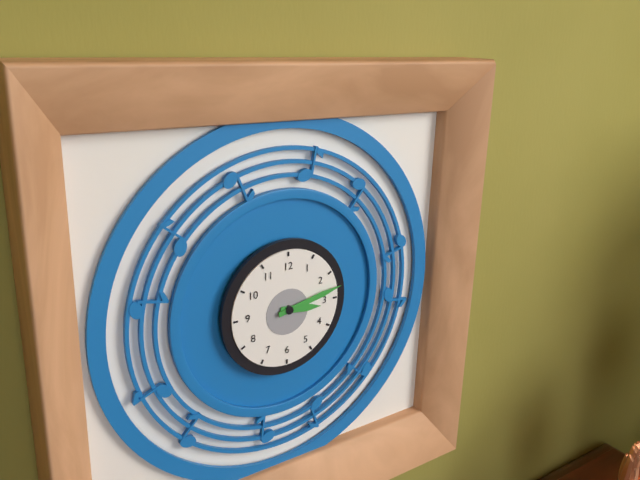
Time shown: {"hour": 3, "minute": 13}
